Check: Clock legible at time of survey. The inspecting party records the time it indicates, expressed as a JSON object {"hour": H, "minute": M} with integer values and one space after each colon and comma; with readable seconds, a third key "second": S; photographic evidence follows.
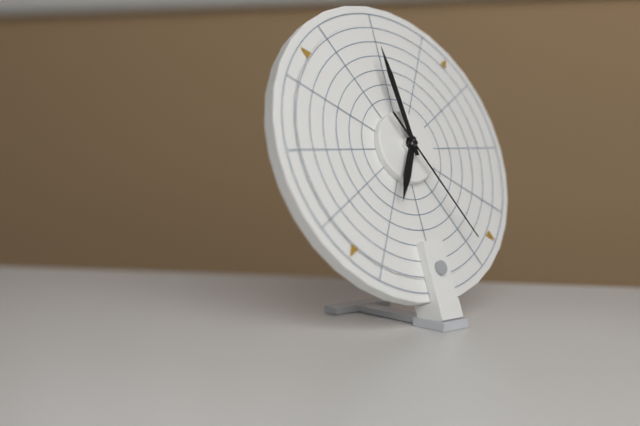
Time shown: {"hour": 6, "minute": 59, "second": 25}
